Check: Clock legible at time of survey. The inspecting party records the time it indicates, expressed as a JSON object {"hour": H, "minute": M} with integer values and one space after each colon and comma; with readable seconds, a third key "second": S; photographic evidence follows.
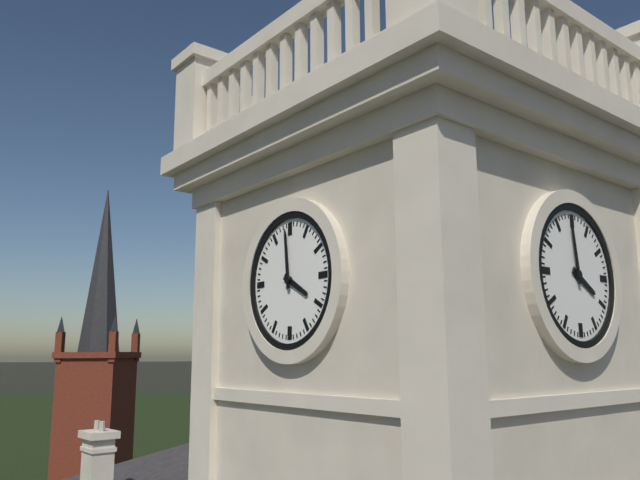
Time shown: {"hour": 3, "minute": 59}
